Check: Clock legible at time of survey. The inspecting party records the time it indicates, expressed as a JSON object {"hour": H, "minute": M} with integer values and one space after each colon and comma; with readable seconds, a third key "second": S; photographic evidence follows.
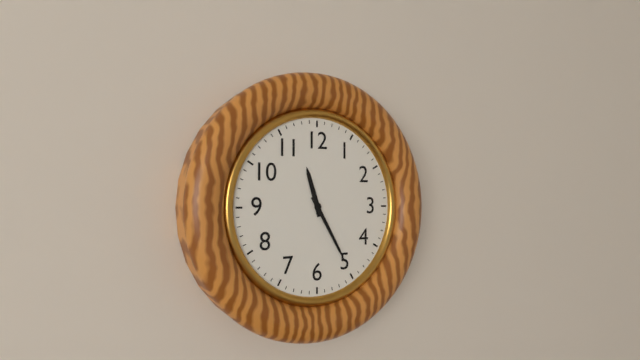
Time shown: {"hour": 11, "minute": 25}
